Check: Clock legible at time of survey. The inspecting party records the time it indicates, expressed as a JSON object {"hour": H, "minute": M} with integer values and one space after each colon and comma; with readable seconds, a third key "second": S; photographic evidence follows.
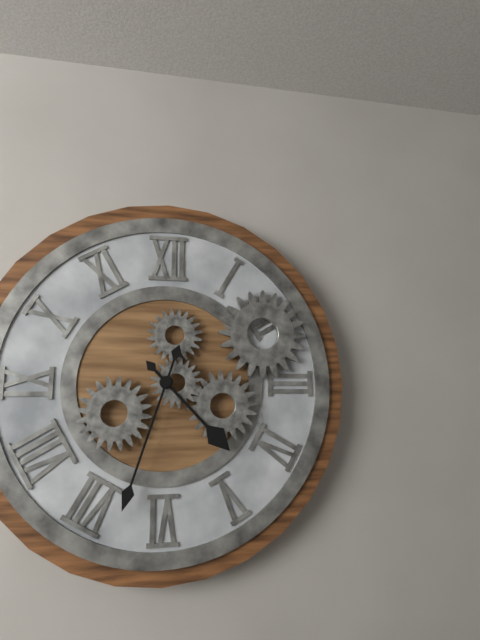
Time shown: {"hour": 4, "minute": 33}
